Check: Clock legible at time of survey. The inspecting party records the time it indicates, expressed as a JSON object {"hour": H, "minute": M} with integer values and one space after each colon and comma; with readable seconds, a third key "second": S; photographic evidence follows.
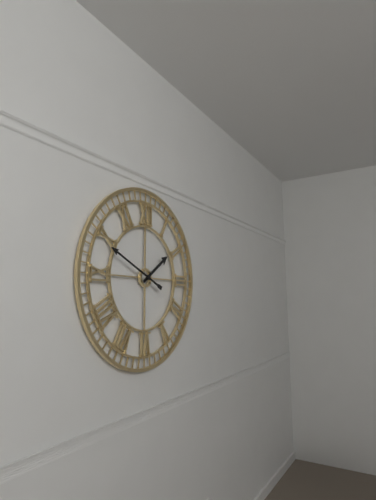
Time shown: {"hour": 1, "minute": 49}
